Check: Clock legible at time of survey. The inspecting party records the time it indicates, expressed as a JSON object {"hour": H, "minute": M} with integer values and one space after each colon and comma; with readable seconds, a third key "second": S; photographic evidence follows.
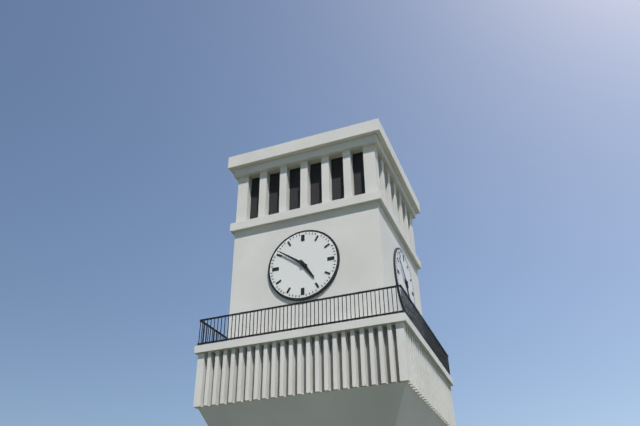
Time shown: {"hour": 4, "minute": 51}
